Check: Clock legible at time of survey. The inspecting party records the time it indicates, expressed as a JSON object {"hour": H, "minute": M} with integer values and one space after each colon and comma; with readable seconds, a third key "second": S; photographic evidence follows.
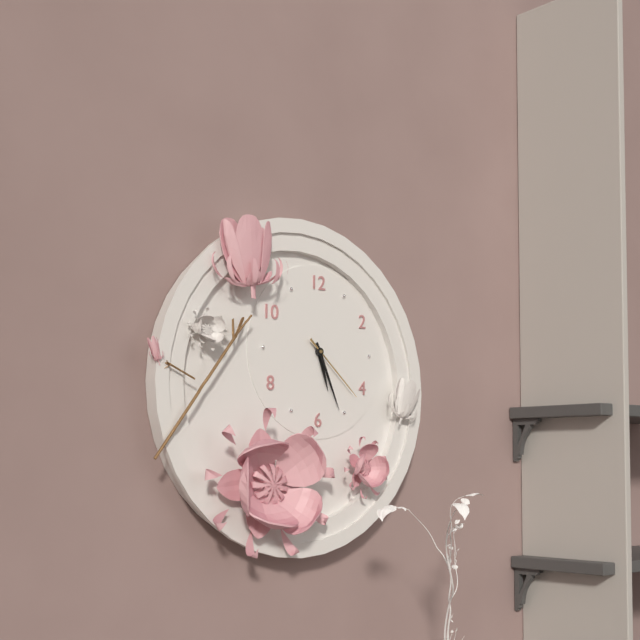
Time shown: {"hour": 5, "minute": 26, "second": 22}
